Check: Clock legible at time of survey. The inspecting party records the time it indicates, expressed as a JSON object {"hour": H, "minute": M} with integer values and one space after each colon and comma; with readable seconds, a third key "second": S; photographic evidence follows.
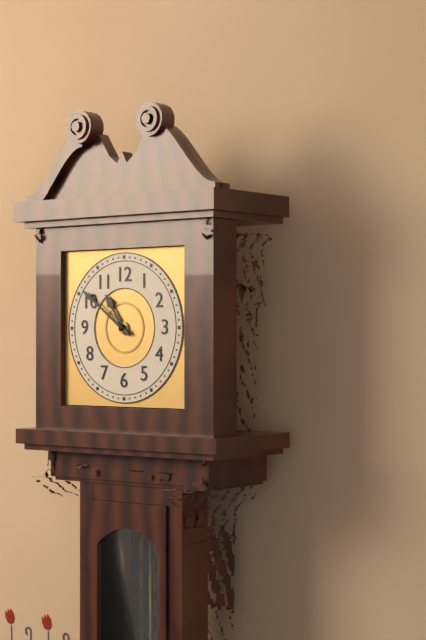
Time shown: {"hour": 10, "minute": 51}
